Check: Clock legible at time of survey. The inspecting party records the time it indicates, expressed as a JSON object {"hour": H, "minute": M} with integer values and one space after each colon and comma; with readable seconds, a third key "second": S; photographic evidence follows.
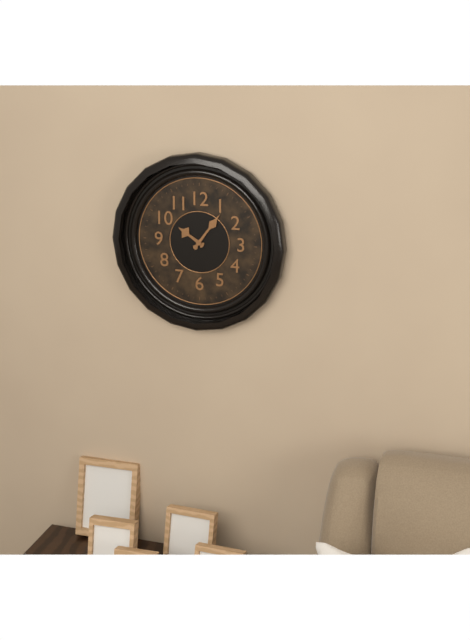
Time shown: {"hour": 10, "minute": 6}
